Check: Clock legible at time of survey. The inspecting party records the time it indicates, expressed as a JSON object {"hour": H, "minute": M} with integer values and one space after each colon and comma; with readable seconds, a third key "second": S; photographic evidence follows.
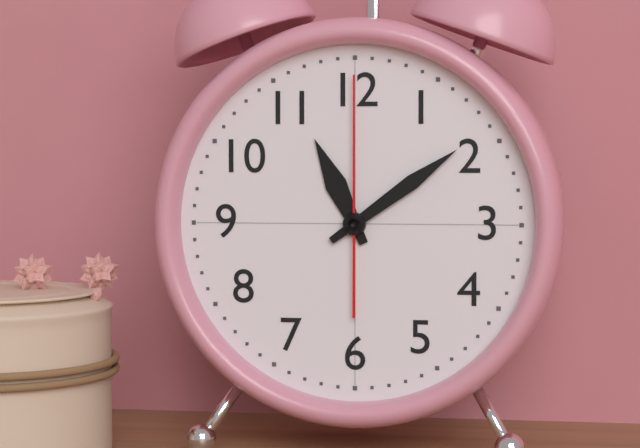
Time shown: {"hour": 11, "minute": 9, "second": 0}
